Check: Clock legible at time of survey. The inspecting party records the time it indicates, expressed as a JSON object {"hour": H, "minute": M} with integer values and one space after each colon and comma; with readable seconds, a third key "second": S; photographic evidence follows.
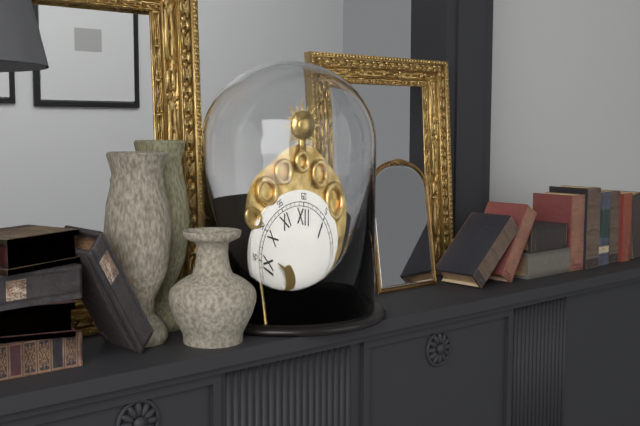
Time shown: {"hour": 9, "minute": 15}
